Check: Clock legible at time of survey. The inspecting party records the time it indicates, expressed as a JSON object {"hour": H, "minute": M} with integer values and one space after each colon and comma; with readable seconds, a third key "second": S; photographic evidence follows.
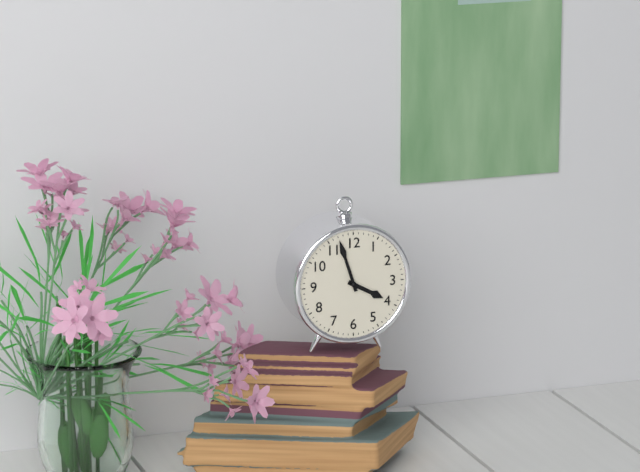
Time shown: {"hour": 3, "minute": 57}
